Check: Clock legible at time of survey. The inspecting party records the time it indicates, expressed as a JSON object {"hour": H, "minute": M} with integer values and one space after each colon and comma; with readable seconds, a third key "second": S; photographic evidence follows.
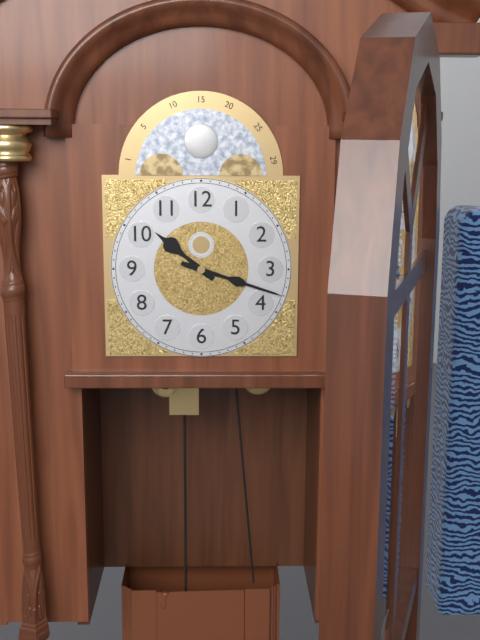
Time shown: {"hour": 10, "minute": 18}
